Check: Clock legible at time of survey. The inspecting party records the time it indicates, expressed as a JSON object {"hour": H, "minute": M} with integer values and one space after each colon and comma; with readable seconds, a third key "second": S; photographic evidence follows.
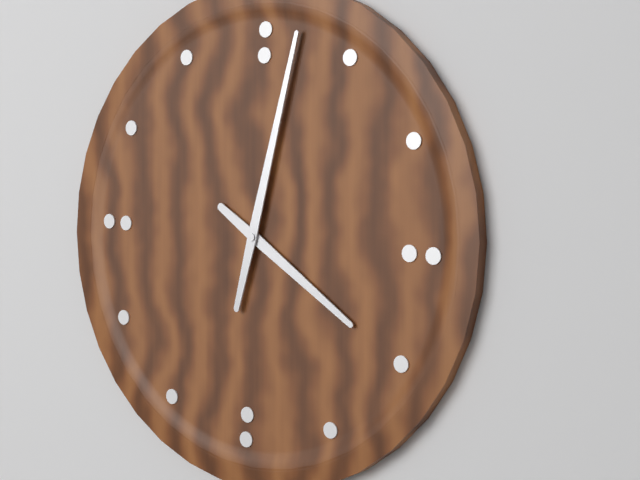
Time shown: {"hour": 4, "minute": 2}
